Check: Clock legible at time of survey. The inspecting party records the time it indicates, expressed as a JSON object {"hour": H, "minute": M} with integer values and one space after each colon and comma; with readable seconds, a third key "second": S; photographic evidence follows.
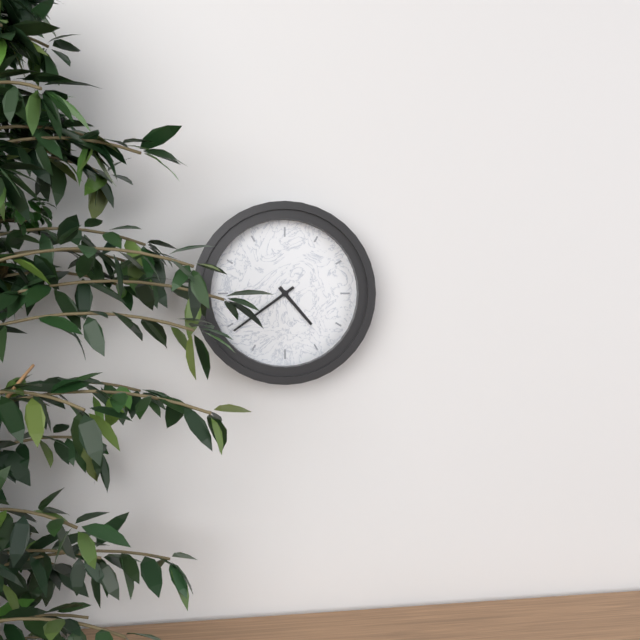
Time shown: {"hour": 4, "minute": 39}
